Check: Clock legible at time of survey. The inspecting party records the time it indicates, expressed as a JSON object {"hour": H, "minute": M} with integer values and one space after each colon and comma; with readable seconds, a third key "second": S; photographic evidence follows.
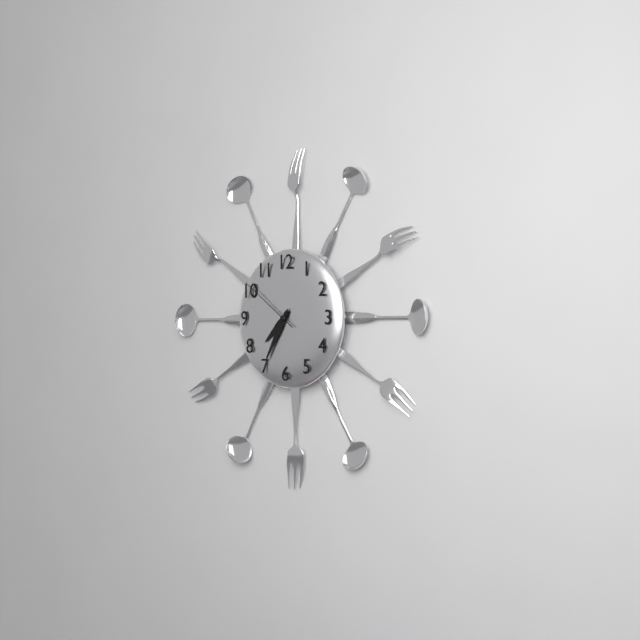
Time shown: {"hour": 7, "minute": 35, "second": 51}
